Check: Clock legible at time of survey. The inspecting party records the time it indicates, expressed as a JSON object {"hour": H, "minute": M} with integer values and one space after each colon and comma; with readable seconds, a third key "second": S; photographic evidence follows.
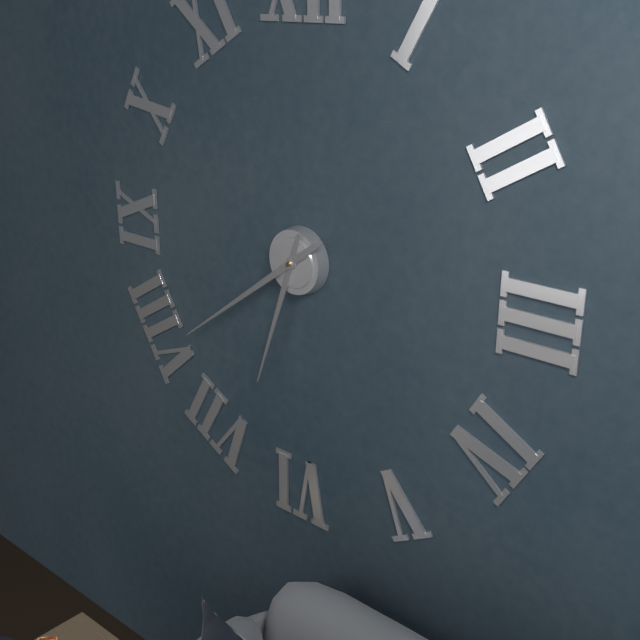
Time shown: {"hour": 6, "minute": 39}
